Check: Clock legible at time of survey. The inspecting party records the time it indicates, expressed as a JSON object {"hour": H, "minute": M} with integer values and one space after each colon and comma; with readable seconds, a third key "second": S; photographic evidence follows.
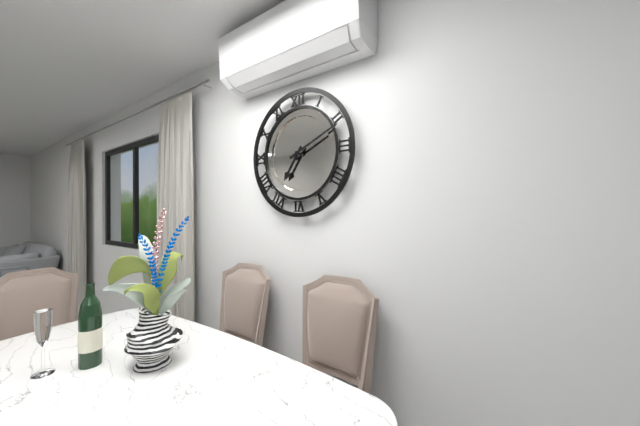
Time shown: {"hour": 7, "minute": 11}
